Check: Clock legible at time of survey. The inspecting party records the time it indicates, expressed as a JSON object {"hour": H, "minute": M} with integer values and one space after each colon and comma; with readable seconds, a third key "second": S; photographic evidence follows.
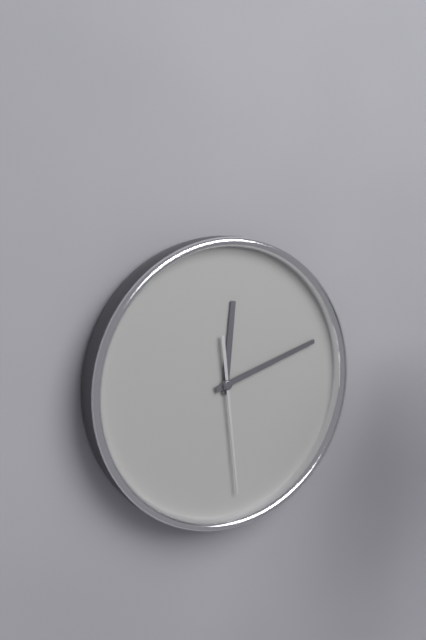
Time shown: {"hour": 12, "minute": 12, "second": 29}
